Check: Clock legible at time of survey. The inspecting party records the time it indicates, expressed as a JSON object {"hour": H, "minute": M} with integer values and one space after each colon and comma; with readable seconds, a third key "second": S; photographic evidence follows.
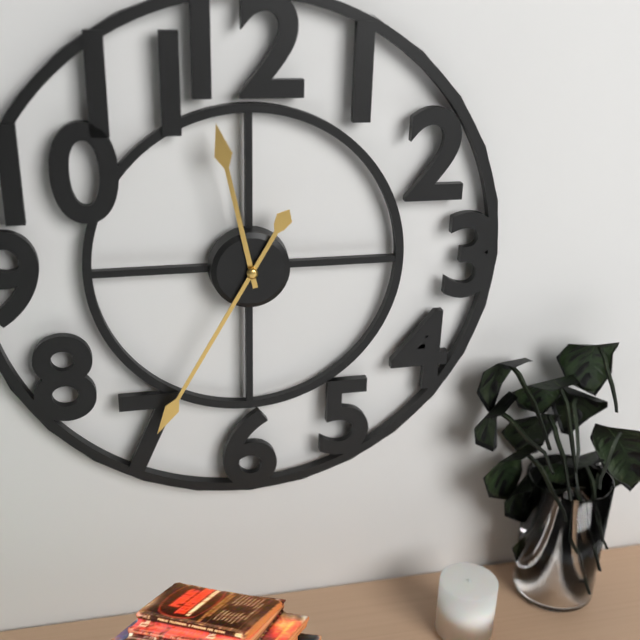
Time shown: {"hour": 11, "minute": 35}
